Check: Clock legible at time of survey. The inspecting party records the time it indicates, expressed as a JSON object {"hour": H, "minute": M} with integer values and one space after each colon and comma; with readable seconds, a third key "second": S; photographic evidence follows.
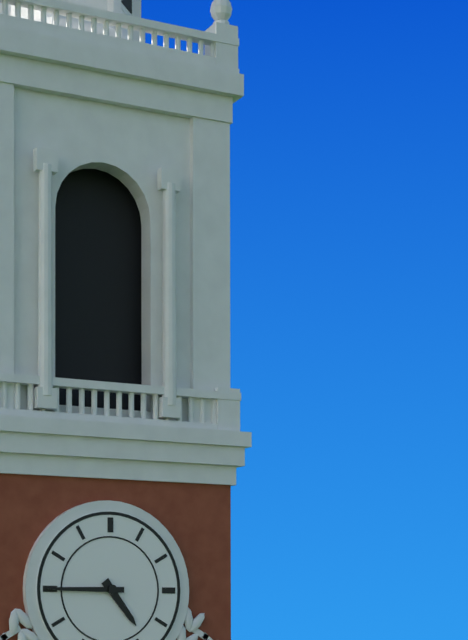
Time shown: {"hour": 4, "minute": 45}
